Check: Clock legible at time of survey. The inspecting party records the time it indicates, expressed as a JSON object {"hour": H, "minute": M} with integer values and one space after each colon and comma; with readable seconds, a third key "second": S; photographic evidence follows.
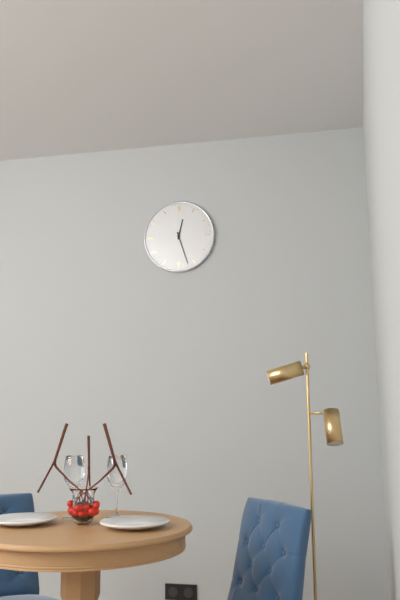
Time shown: {"hour": 12, "minute": 27}
